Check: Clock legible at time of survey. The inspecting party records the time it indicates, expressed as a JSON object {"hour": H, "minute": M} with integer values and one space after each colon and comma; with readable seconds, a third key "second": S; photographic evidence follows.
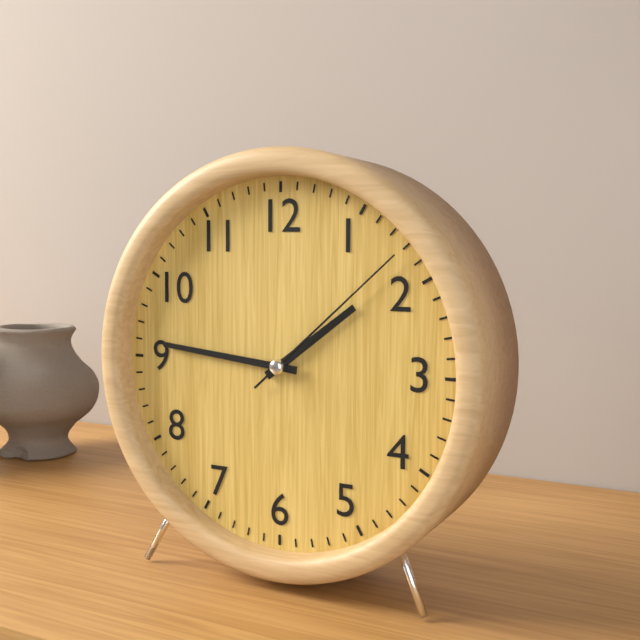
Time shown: {"hour": 1, "minute": 46, "second": 8}
